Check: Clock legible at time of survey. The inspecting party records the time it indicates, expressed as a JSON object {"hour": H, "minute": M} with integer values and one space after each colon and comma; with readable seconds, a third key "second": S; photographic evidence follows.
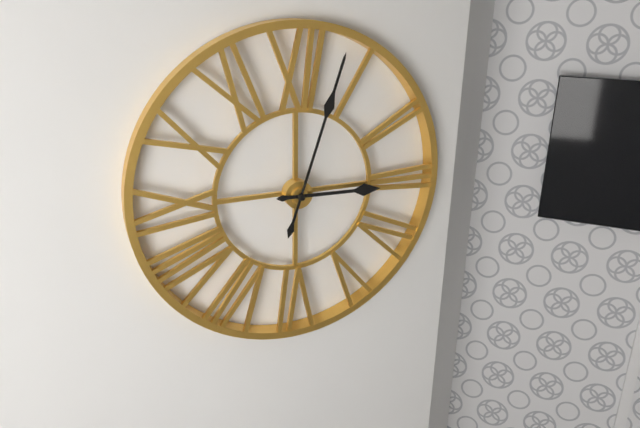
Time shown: {"hour": 3, "minute": 3}
